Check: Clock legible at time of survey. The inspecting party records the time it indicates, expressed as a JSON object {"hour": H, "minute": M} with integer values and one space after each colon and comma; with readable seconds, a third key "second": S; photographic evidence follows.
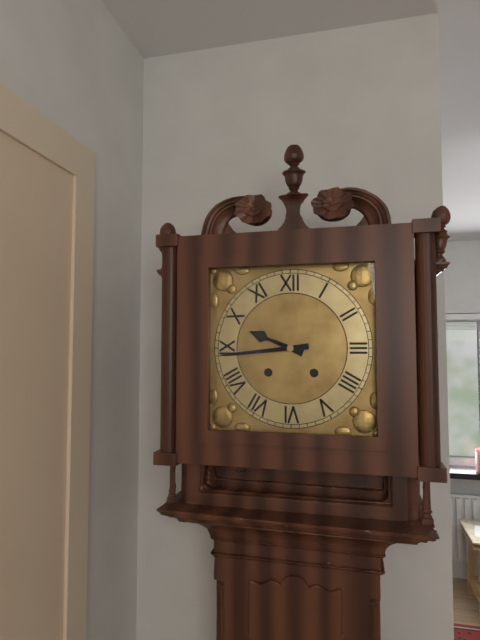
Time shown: {"hour": 9, "minute": 44}
